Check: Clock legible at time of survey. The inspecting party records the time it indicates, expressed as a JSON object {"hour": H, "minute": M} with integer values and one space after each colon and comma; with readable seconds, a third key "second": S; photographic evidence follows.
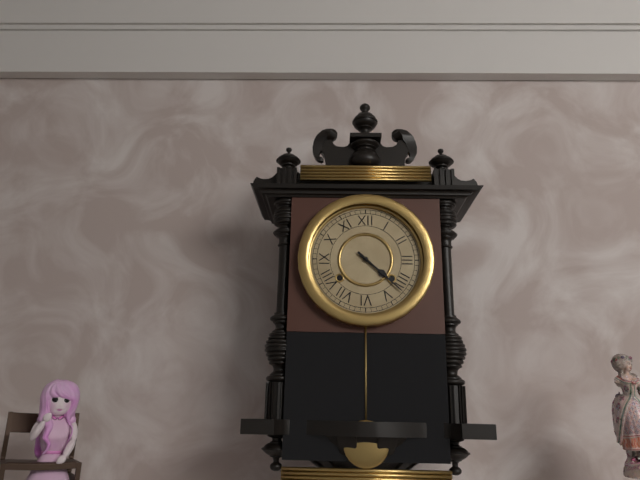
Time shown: {"hour": 4, "minute": 22}
